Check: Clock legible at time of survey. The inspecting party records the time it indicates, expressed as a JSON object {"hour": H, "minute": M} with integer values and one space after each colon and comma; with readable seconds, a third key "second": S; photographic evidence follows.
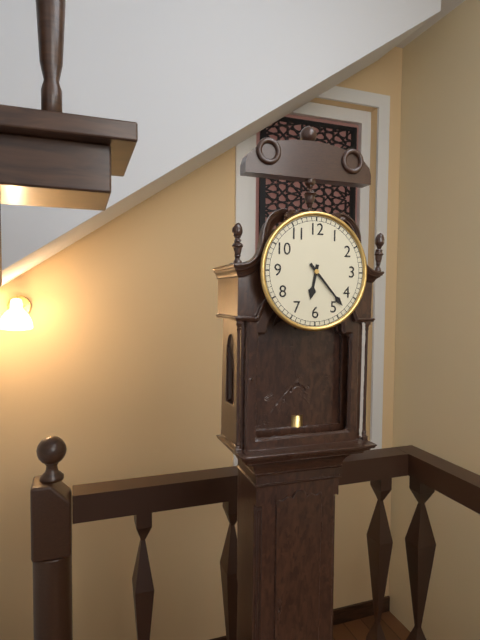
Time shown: {"hour": 6, "minute": 23}
